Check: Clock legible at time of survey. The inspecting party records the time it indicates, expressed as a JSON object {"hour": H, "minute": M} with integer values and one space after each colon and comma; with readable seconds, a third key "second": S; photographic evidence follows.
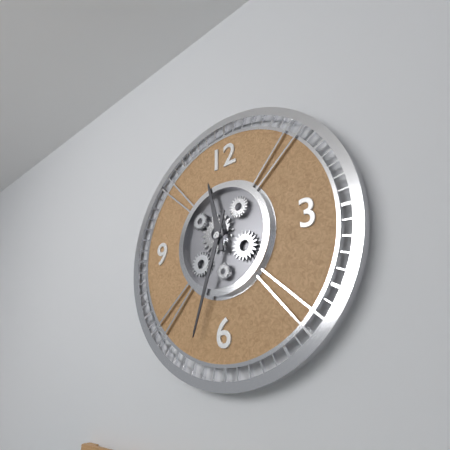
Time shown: {"hour": 11, "minute": 33}
